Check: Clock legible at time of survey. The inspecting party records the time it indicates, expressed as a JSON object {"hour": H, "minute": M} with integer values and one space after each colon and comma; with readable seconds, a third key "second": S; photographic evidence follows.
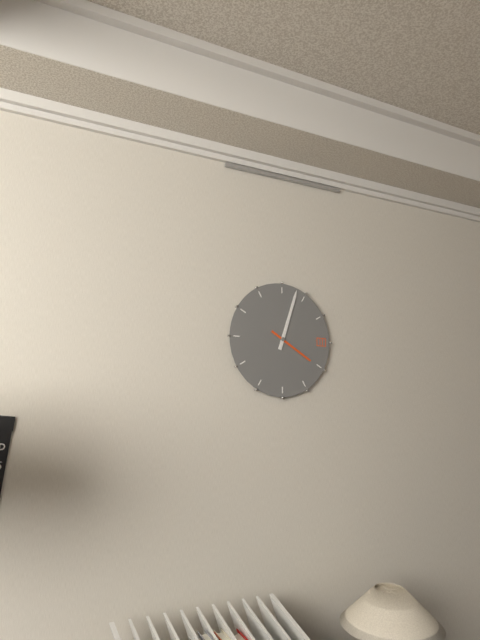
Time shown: {"hour": 4, "minute": 3}
